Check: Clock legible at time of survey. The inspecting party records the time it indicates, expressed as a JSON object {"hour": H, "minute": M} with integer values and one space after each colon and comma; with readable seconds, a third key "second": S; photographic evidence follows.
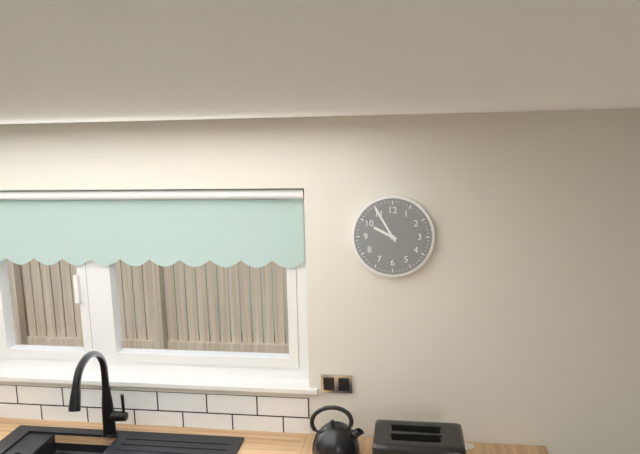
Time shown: {"hour": 9, "minute": 55}
